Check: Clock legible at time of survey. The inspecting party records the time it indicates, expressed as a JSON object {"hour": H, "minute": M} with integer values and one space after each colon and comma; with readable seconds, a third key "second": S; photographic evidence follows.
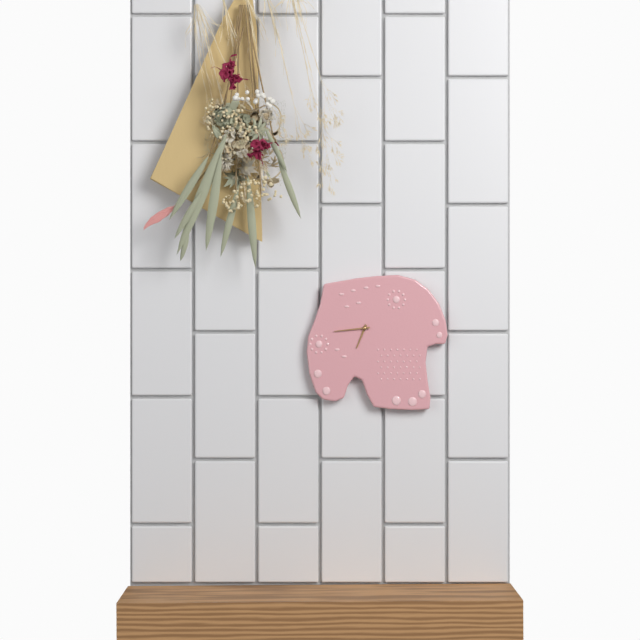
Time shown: {"hour": 6, "minute": 44}
